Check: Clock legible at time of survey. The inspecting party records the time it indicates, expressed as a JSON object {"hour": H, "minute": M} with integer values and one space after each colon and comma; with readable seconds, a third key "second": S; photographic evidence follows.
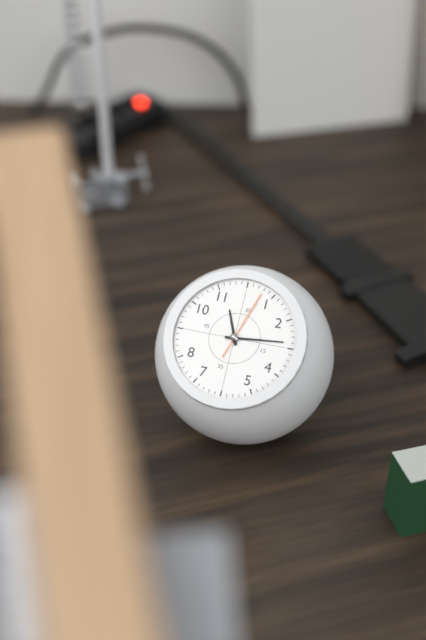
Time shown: {"hour": 11, "minute": 14, "second": 3}
